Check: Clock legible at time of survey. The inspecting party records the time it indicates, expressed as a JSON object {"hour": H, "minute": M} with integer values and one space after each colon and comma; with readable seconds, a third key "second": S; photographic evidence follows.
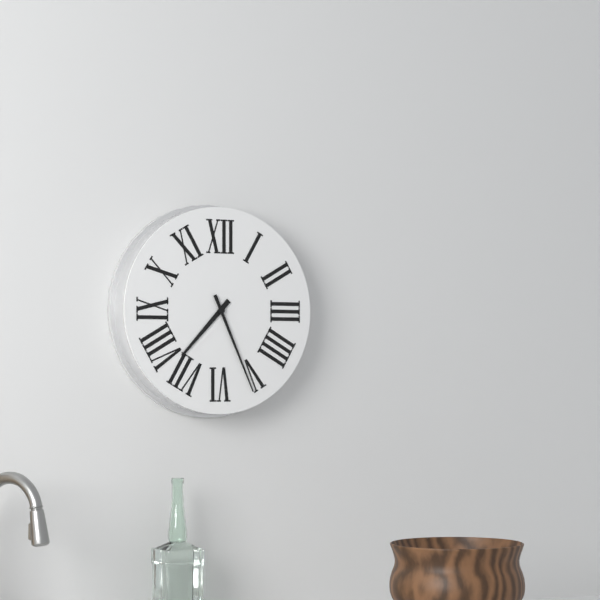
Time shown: {"hour": 7, "minute": 26}
